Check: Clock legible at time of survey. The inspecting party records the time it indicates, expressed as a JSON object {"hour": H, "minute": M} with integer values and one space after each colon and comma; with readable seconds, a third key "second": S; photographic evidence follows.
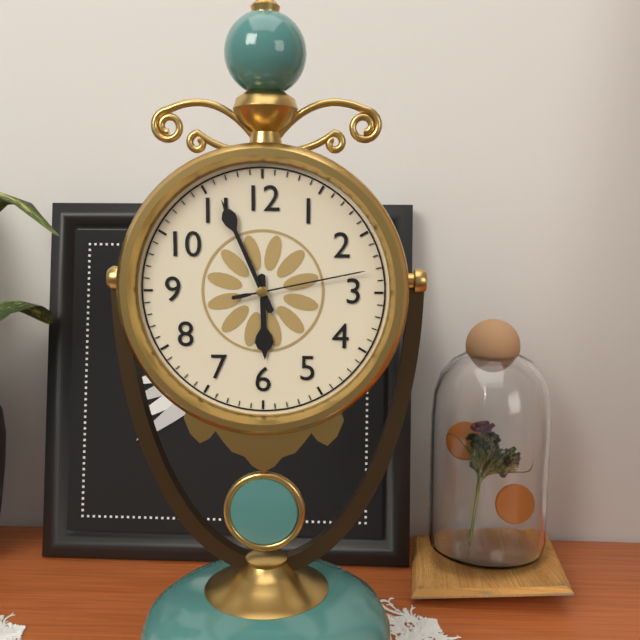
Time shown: {"hour": 5, "minute": 56, "second": 13}
